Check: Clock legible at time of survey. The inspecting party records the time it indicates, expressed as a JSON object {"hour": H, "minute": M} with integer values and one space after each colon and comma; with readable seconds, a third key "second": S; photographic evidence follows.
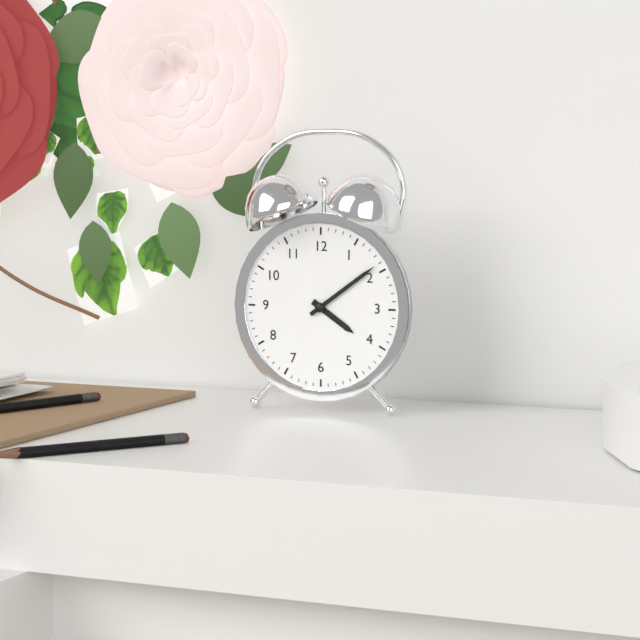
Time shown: {"hour": 4, "minute": 9}
